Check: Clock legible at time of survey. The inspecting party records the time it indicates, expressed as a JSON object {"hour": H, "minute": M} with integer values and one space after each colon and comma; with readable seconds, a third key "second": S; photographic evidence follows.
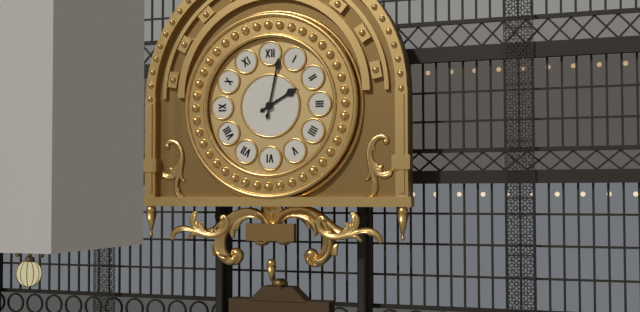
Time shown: {"hour": 2, "minute": 2}
